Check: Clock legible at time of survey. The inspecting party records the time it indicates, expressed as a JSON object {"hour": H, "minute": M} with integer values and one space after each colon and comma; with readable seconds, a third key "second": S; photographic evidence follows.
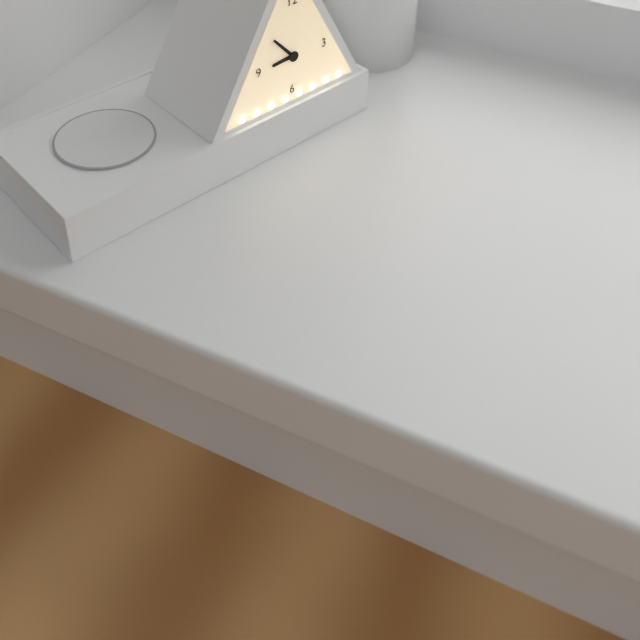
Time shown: {"hour": 8, "minute": 53}
